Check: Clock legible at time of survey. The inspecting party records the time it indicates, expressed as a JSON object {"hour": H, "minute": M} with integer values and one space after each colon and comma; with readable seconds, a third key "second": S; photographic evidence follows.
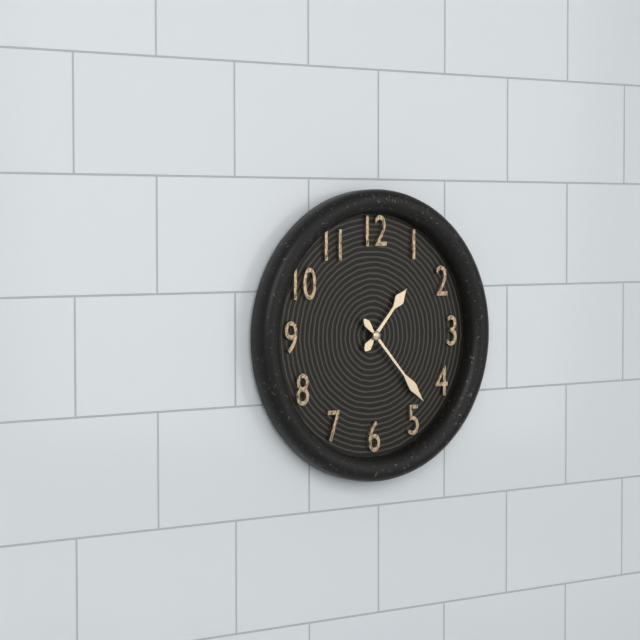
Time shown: {"hour": 1, "minute": 23}
